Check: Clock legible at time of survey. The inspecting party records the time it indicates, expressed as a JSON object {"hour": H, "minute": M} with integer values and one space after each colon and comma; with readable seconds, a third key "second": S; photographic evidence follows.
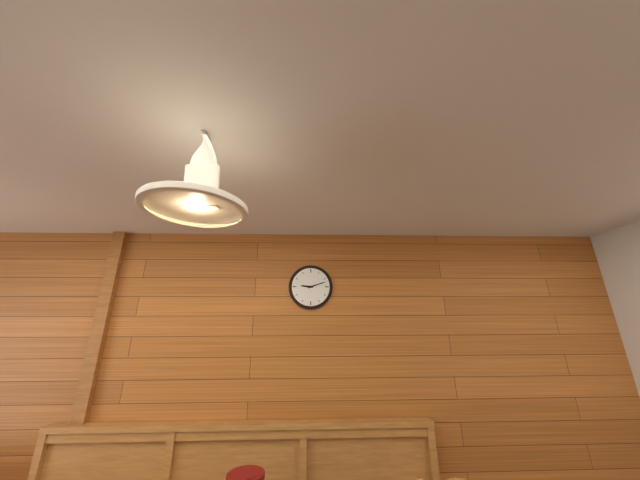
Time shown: {"hour": 9, "minute": 12}
